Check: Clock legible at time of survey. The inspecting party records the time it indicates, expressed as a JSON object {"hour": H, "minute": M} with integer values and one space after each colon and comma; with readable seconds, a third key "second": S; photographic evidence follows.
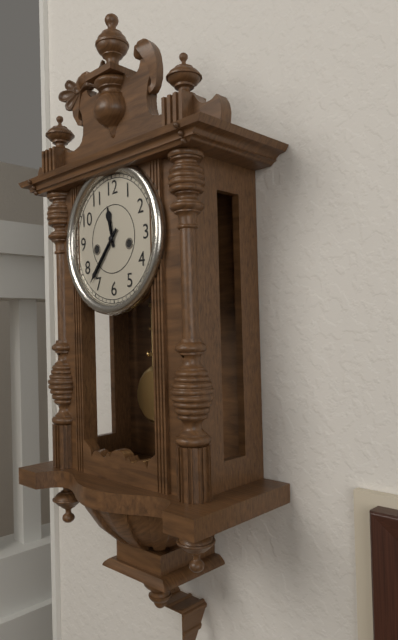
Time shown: {"hour": 11, "minute": 37}
